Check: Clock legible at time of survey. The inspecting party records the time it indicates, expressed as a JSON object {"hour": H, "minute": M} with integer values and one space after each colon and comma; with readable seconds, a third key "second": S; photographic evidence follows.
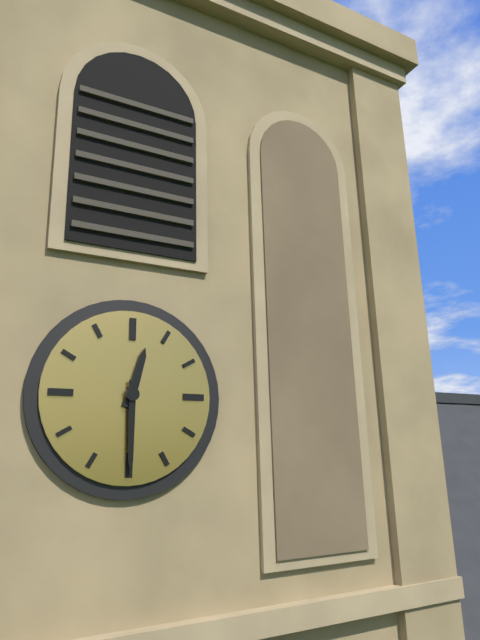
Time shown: {"hour": 12, "minute": 30}
